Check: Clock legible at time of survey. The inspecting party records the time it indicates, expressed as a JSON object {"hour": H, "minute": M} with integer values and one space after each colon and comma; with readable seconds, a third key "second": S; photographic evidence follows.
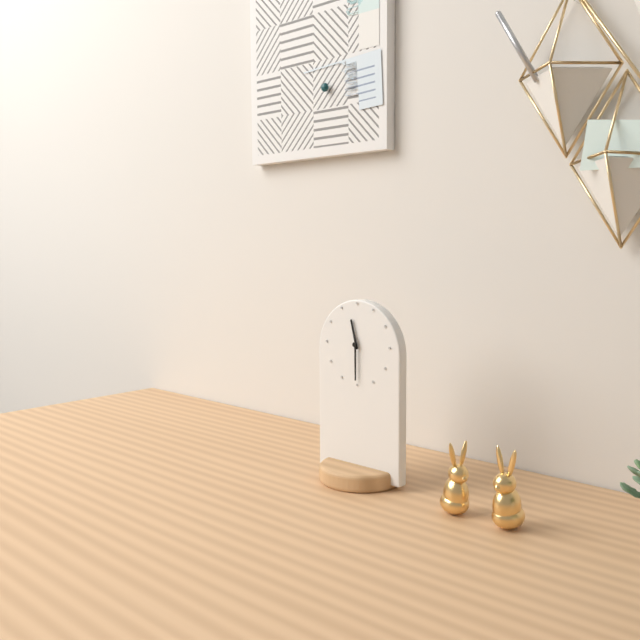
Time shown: {"hour": 11, "minute": 30}
